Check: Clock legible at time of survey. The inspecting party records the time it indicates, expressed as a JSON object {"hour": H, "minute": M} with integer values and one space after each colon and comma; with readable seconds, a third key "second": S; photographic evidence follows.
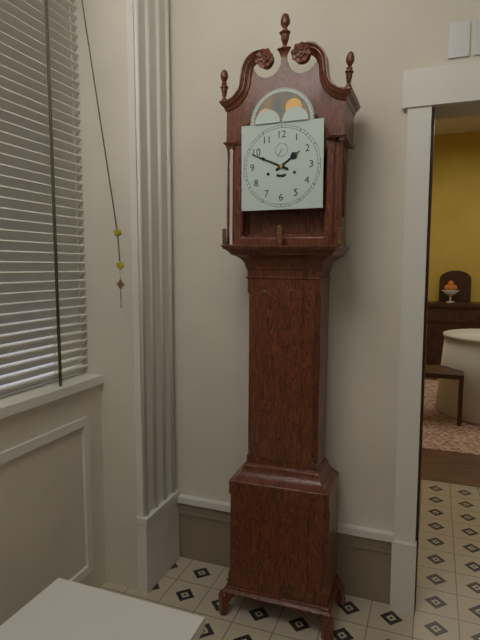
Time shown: {"hour": 1, "minute": 49}
